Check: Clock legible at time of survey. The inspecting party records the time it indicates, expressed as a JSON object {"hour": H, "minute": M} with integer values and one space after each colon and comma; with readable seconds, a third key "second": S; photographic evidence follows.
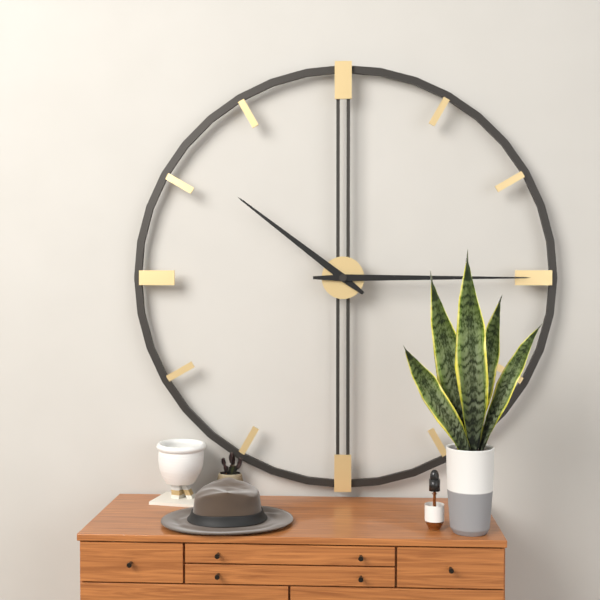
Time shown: {"hour": 10, "minute": 15}
